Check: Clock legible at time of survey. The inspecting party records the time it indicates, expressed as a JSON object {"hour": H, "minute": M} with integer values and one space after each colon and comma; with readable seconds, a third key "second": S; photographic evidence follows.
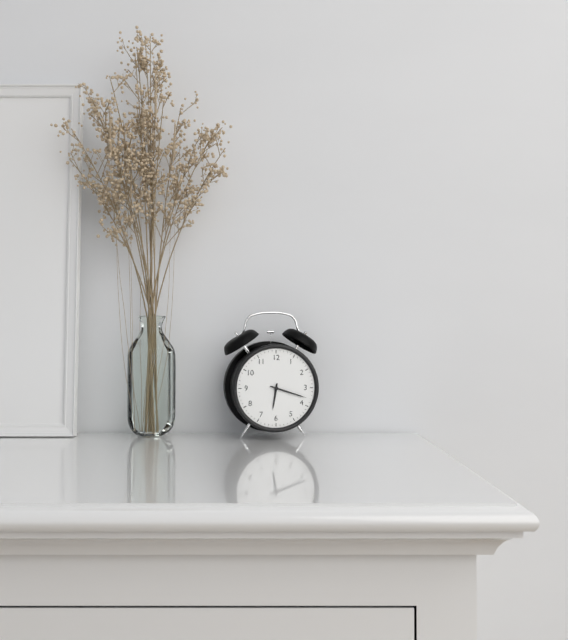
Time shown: {"hour": 6, "minute": 18}
